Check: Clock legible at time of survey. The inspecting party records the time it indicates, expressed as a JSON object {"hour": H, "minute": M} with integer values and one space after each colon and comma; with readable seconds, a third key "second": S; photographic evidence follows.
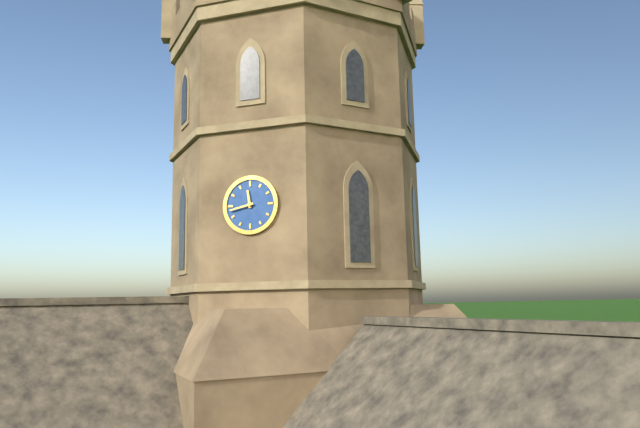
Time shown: {"hour": 11, "minute": 43}
